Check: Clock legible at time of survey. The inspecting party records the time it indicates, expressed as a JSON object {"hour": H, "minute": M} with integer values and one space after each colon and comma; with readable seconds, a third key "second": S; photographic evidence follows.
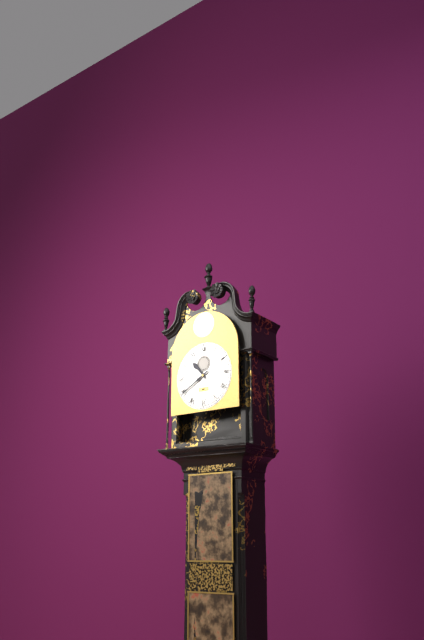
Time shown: {"hour": 10, "minute": 40}
